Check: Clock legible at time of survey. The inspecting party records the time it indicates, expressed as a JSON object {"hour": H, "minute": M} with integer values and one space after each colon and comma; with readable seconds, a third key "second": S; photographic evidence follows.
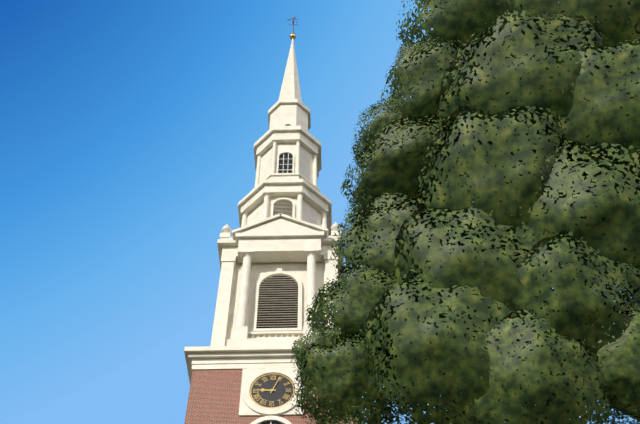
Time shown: {"hour": 9, "minute": 4}
